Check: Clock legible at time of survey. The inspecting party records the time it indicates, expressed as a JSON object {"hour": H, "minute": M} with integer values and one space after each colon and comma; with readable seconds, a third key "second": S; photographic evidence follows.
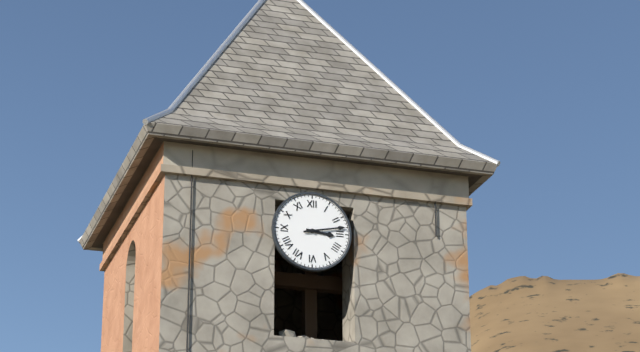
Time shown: {"hour": 3, "minute": 13}
